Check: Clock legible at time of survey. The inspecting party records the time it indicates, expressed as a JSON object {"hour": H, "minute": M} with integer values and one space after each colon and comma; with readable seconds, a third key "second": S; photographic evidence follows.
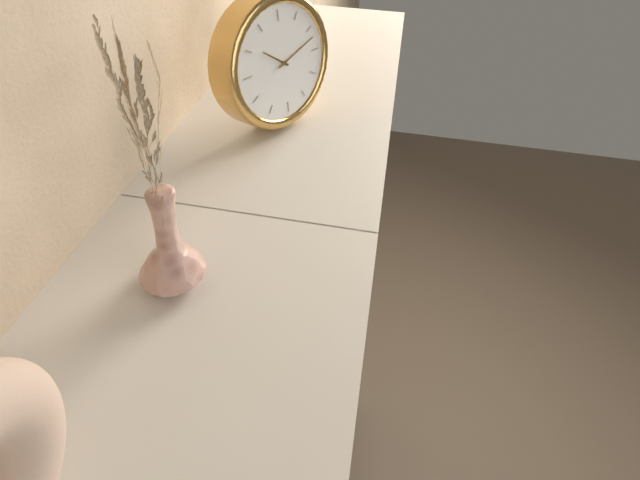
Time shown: {"hour": 10, "minute": 12}
